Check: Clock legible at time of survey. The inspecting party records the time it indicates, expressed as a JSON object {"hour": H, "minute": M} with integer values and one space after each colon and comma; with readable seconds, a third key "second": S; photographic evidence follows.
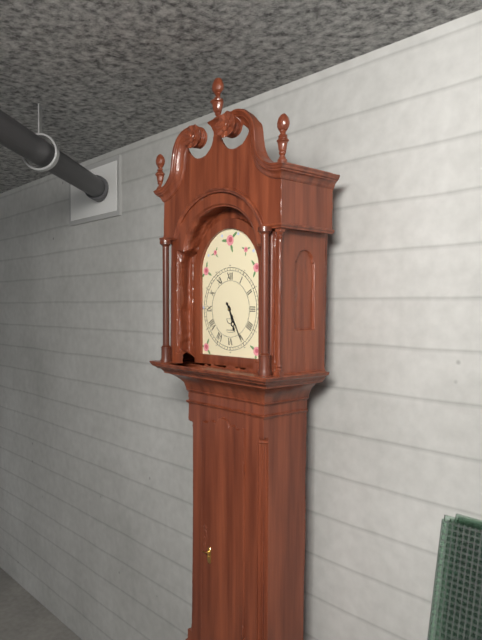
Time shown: {"hour": 5, "minute": 25}
